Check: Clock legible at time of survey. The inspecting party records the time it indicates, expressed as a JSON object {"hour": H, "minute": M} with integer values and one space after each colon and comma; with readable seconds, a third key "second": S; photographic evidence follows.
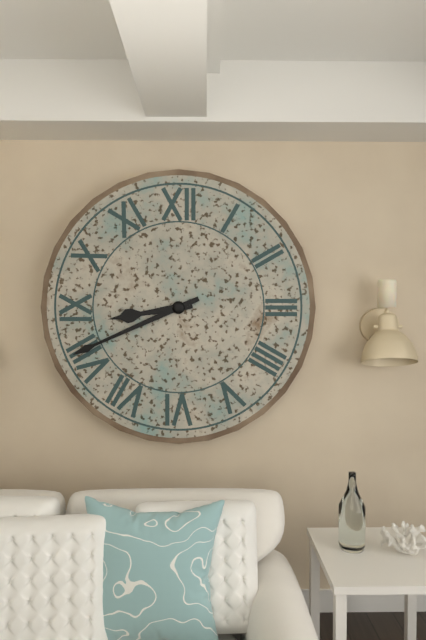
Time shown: {"hour": 8, "minute": 41}
